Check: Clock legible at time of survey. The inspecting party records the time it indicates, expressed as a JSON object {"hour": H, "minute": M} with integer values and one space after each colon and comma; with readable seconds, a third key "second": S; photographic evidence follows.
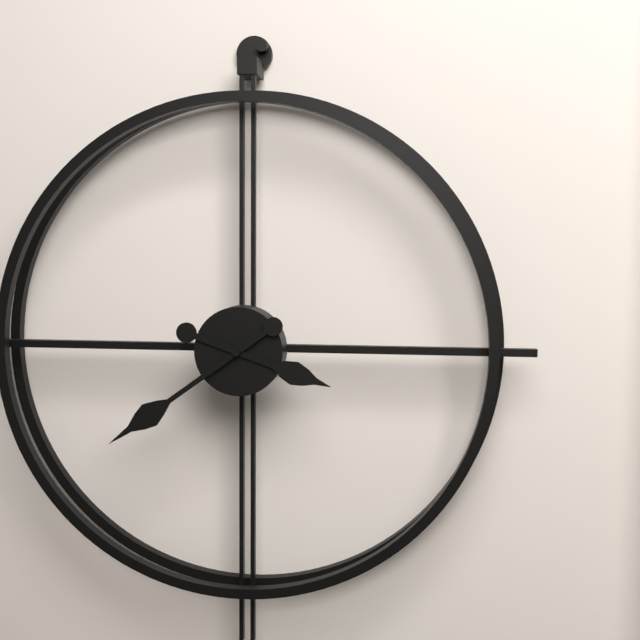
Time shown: {"hour": 3, "minute": 39}
